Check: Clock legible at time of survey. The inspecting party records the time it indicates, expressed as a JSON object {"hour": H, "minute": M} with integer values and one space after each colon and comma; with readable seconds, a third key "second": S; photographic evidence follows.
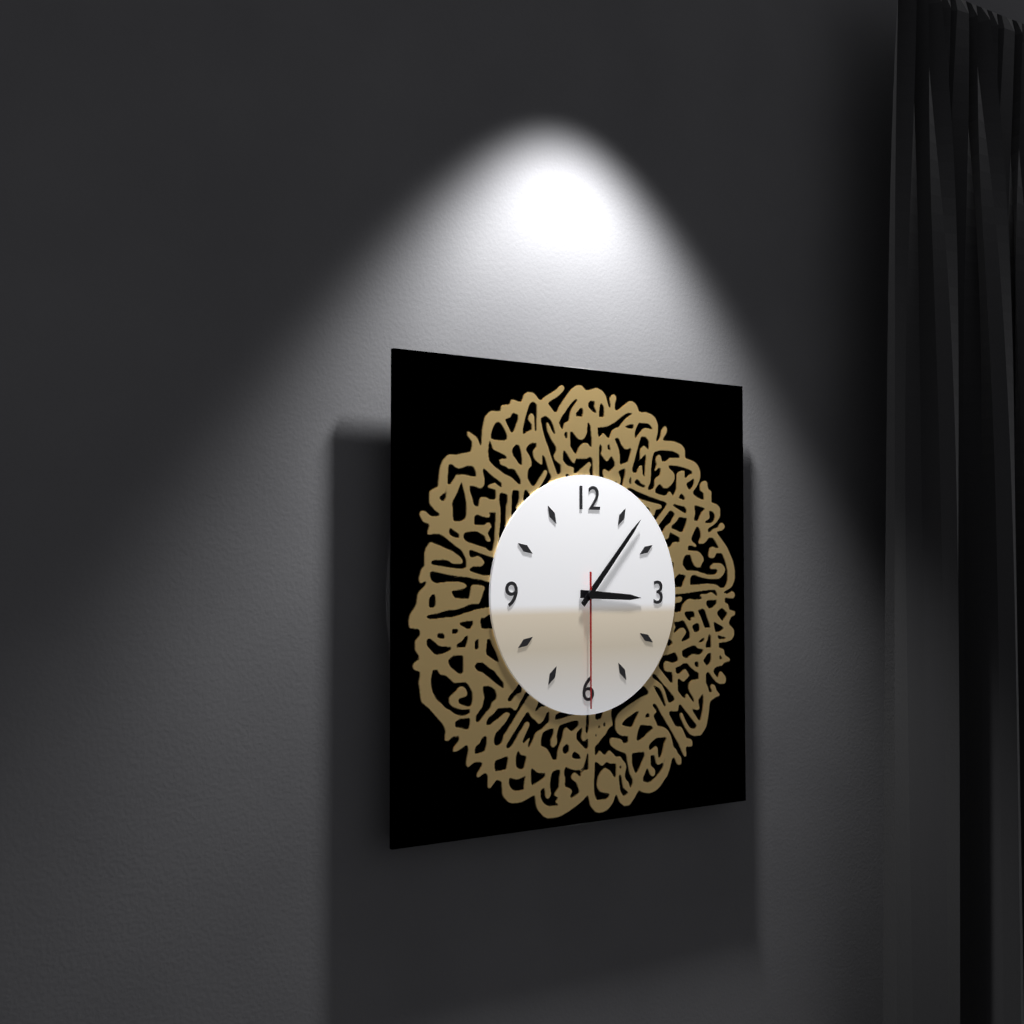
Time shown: {"hour": 3, "minute": 7, "second": 30}
